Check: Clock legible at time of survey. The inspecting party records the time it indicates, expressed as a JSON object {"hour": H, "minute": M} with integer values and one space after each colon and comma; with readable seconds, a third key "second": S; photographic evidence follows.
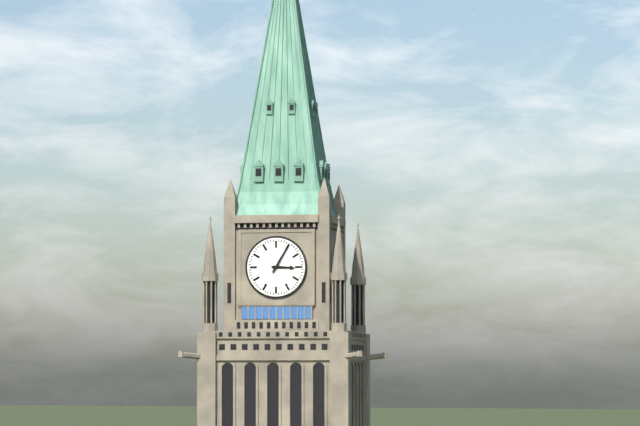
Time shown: {"hour": 3, "minute": 5}
